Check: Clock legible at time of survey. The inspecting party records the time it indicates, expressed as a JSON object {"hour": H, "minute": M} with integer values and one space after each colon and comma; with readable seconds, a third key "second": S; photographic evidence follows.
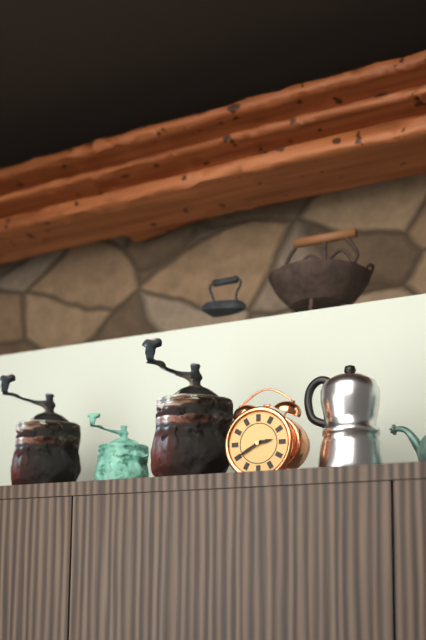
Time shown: {"hour": 2, "minute": 40}
